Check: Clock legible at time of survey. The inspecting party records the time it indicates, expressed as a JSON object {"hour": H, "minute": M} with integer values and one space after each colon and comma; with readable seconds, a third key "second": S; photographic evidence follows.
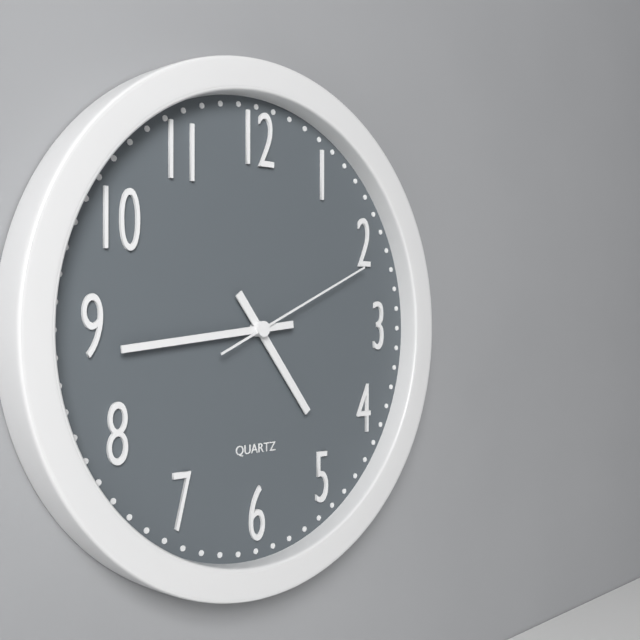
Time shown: {"hour": 4, "minute": 44, "second": 11}
